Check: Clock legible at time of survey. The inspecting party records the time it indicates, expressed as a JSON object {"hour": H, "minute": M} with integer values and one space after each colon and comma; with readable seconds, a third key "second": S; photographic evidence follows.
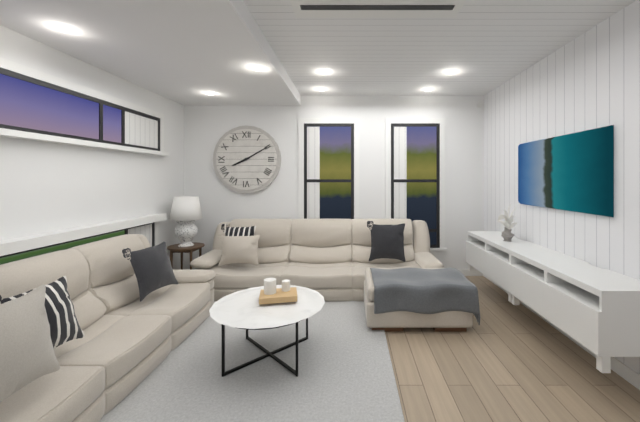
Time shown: {"hour": 8, "minute": 10}
